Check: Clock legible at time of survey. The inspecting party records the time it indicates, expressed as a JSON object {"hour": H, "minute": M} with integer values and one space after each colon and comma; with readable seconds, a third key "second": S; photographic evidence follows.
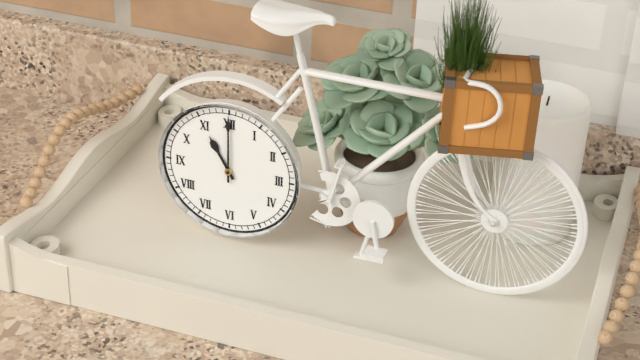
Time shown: {"hour": 11, "minute": 0}
